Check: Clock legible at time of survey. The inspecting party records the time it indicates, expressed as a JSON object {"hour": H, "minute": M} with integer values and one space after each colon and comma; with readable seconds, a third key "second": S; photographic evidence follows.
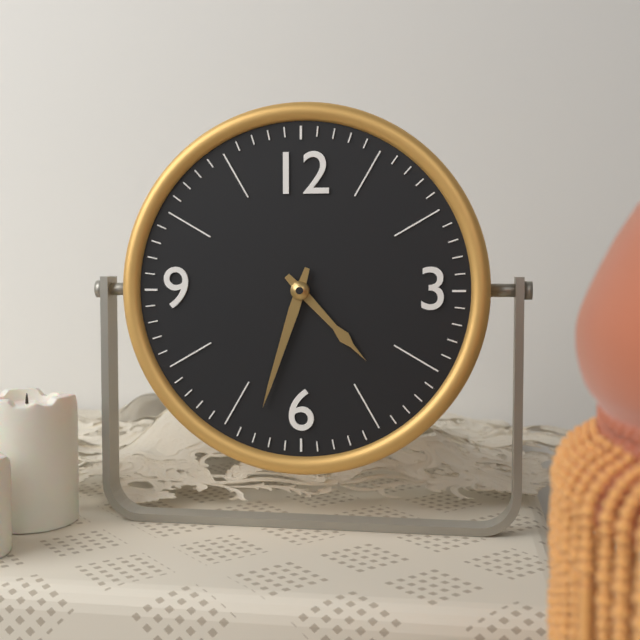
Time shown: {"hour": 4, "minute": 33}
